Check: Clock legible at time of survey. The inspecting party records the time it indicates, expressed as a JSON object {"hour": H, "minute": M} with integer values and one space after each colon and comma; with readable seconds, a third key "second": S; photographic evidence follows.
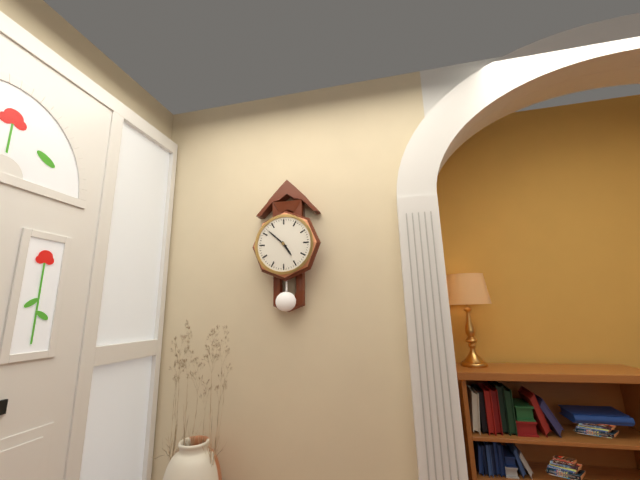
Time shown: {"hour": 4, "minute": 52}
